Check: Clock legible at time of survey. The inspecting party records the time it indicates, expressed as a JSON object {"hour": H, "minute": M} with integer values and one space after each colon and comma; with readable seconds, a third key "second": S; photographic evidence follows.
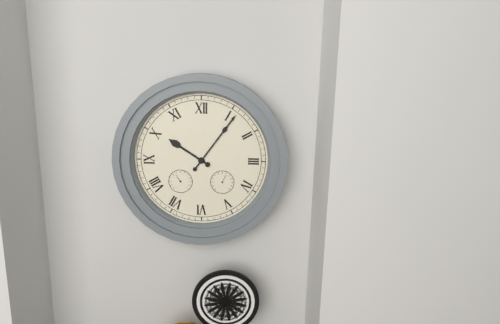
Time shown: {"hour": 10, "minute": 6}
